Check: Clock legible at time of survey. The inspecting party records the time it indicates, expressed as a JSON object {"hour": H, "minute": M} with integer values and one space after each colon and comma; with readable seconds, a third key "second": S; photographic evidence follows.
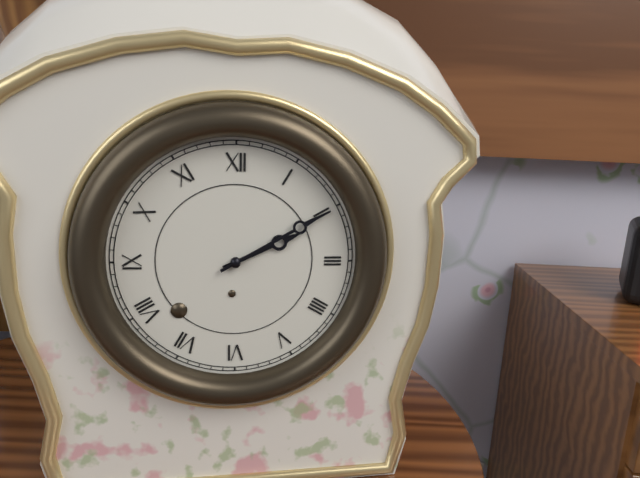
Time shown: {"hour": 2, "minute": 10}
